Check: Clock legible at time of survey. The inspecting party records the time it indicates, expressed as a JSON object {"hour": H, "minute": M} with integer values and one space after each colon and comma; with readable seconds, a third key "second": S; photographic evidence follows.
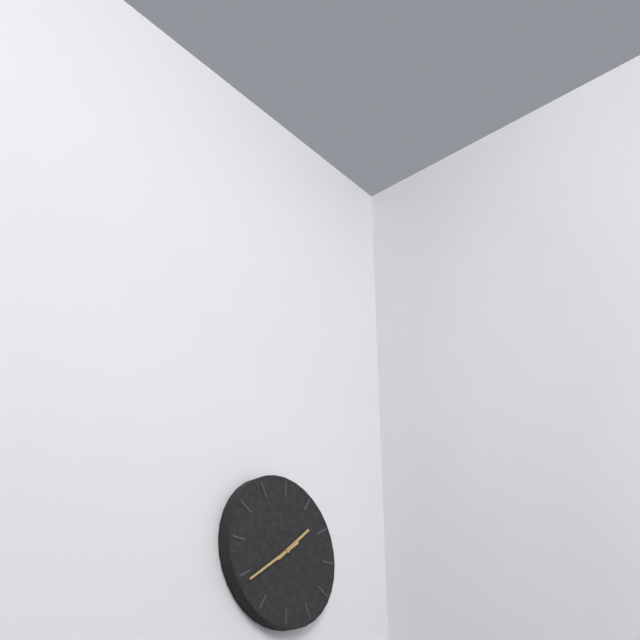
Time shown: {"hour": 1, "minute": 39}
